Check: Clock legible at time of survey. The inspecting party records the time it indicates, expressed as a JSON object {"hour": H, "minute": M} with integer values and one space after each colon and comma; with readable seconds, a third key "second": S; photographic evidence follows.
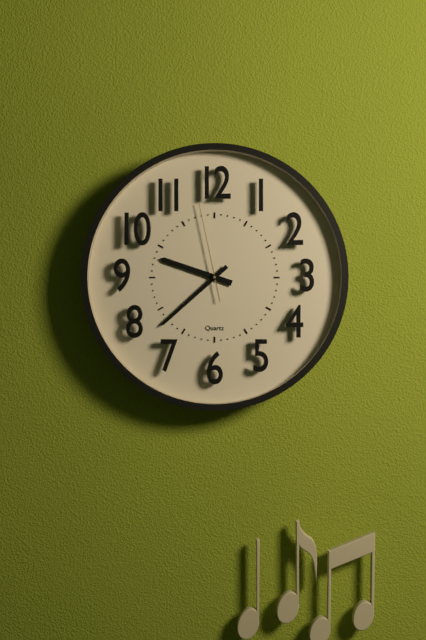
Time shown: {"hour": 9, "minute": 38, "second": 58}
